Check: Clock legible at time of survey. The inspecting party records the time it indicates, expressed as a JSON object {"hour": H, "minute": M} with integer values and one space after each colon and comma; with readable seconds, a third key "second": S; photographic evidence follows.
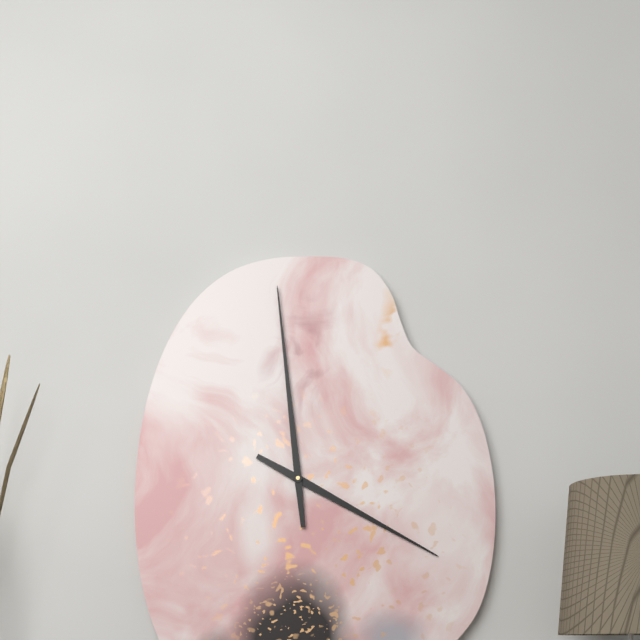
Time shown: {"hour": 3, "minute": 59}
